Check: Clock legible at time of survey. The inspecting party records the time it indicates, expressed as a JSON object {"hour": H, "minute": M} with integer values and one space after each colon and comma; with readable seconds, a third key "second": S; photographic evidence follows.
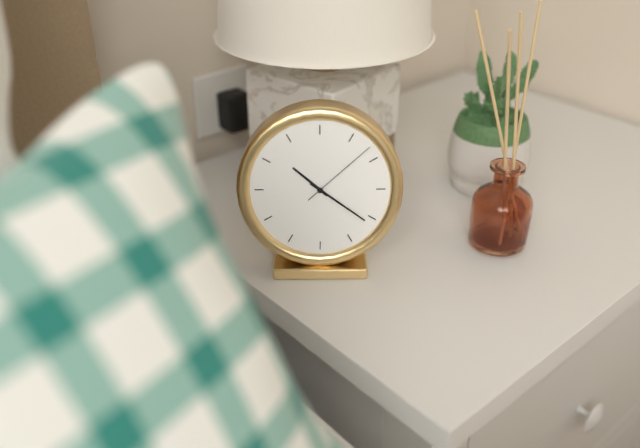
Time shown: {"hour": 10, "minute": 21, "second": 8}
